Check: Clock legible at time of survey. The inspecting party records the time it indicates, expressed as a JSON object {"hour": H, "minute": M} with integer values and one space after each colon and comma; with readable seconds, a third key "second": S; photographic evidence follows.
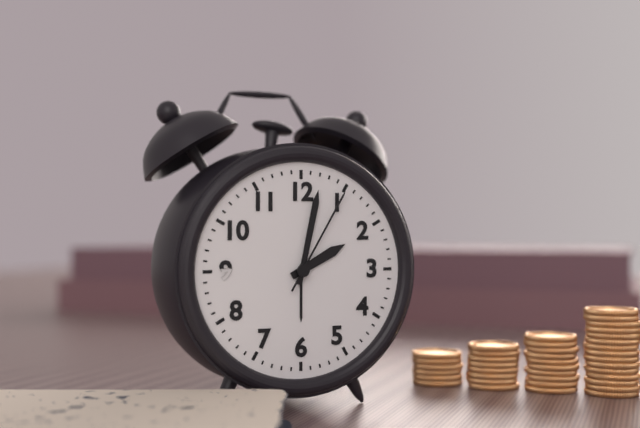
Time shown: {"hour": 2, "minute": 2, "second": 5}
